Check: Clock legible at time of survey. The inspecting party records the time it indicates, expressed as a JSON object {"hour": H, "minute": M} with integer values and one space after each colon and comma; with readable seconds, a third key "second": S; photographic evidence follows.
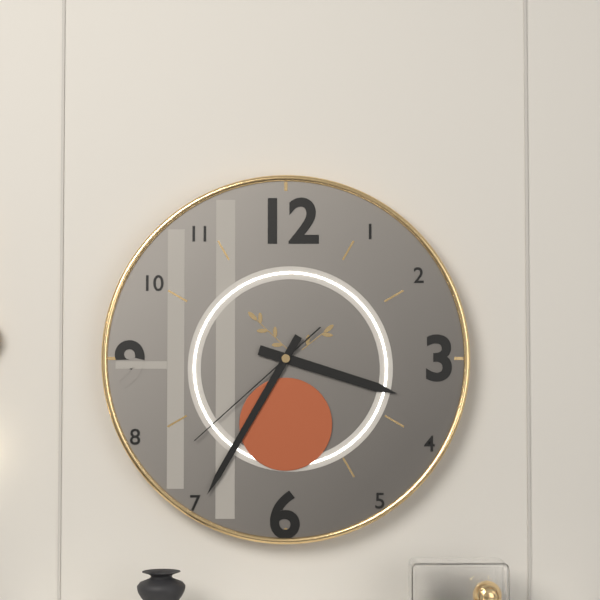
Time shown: {"hour": 3, "minute": 35, "second": 38}
